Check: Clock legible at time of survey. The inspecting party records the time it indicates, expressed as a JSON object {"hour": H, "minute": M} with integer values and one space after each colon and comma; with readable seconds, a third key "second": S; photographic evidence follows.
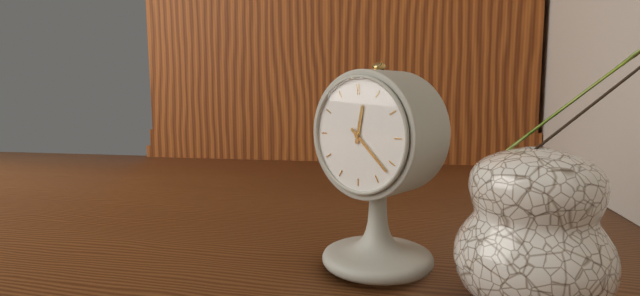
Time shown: {"hour": 12, "minute": 22}
